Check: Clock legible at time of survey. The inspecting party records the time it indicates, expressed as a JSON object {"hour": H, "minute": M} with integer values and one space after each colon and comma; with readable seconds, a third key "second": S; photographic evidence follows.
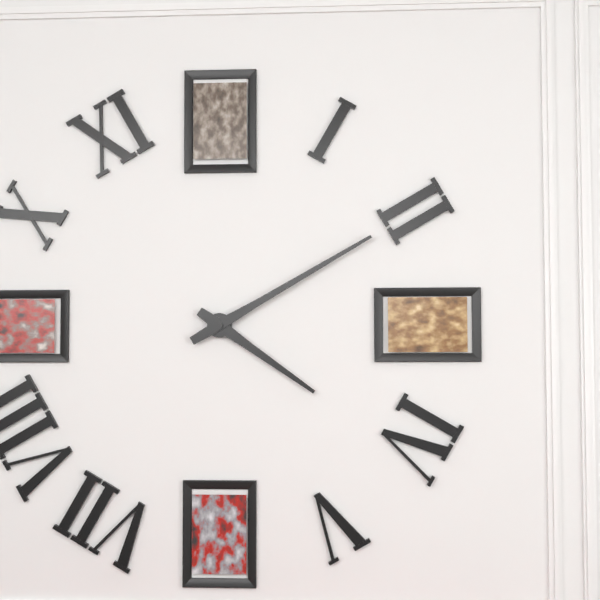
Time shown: {"hour": 4, "minute": 10}
